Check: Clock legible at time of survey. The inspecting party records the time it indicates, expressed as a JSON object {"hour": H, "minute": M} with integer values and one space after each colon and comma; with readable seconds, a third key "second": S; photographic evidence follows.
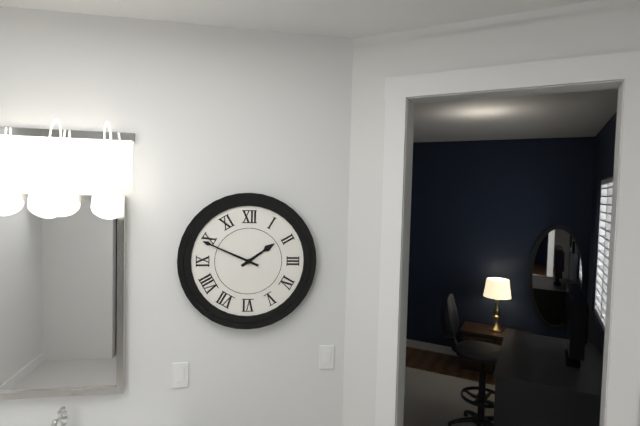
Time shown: {"hour": 1, "minute": 49}
